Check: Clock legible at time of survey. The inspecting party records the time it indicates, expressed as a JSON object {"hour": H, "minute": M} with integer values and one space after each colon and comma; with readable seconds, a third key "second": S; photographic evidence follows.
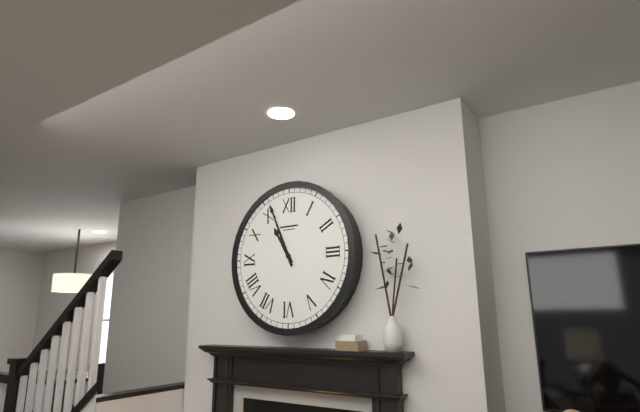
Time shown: {"hour": 10, "minute": 56}
